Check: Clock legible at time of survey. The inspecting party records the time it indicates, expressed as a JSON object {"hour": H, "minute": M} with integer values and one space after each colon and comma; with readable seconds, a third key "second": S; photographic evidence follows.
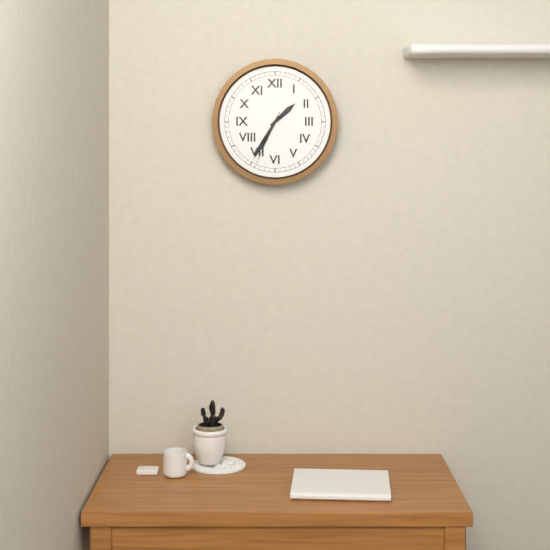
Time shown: {"hour": 1, "minute": 35, "second": 34}
